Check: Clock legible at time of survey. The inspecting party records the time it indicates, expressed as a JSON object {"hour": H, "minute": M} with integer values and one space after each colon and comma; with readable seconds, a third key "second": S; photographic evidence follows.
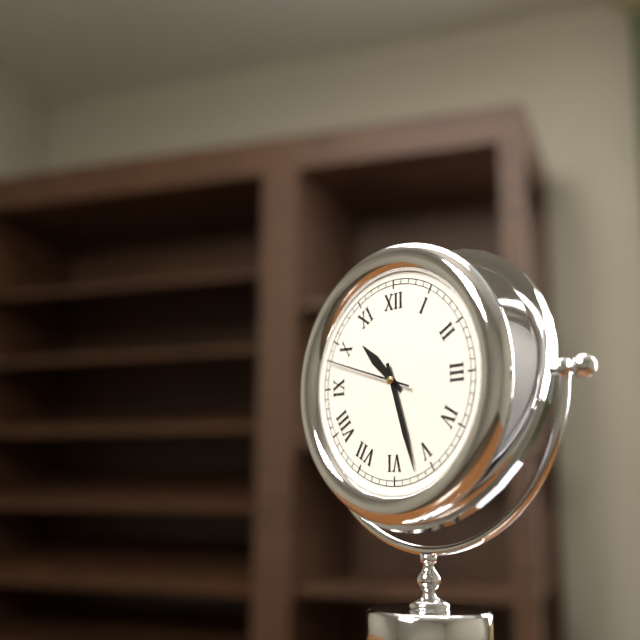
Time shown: {"hour": 10, "minute": 27, "second": 48}
